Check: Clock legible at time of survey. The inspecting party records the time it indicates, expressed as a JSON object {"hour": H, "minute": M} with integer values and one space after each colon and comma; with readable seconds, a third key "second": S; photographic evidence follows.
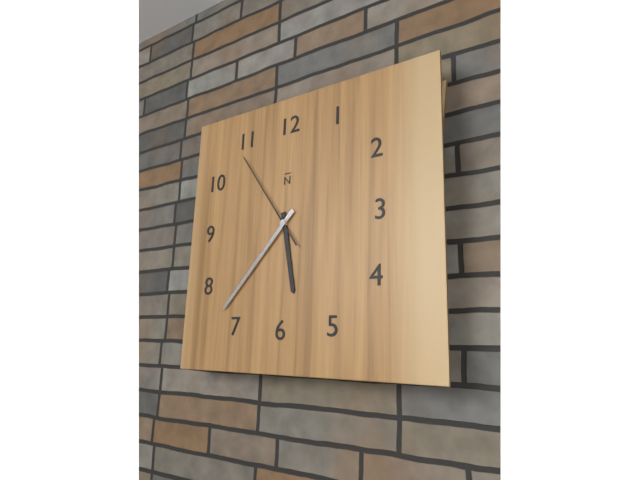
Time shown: {"hour": 5, "minute": 37, "second": 54}
